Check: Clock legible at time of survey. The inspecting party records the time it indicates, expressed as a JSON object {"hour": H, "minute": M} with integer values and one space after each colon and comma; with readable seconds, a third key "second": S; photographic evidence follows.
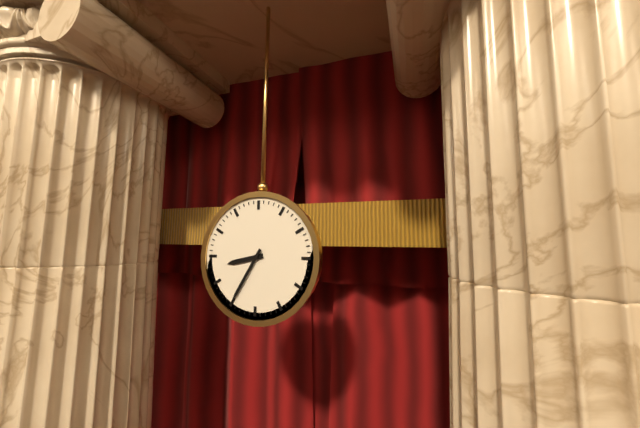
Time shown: {"hour": 8, "minute": 35}
